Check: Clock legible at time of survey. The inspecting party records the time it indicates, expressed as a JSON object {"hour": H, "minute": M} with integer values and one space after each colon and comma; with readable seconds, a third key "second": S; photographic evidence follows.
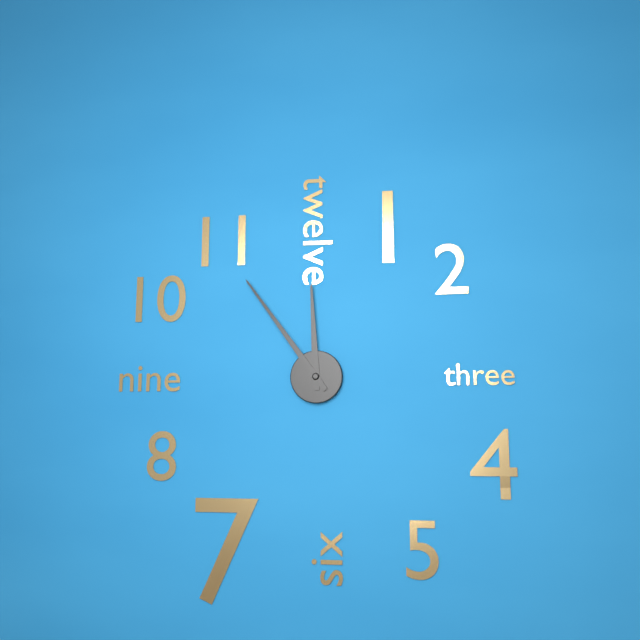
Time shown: {"hour": 11, "minute": 54}
